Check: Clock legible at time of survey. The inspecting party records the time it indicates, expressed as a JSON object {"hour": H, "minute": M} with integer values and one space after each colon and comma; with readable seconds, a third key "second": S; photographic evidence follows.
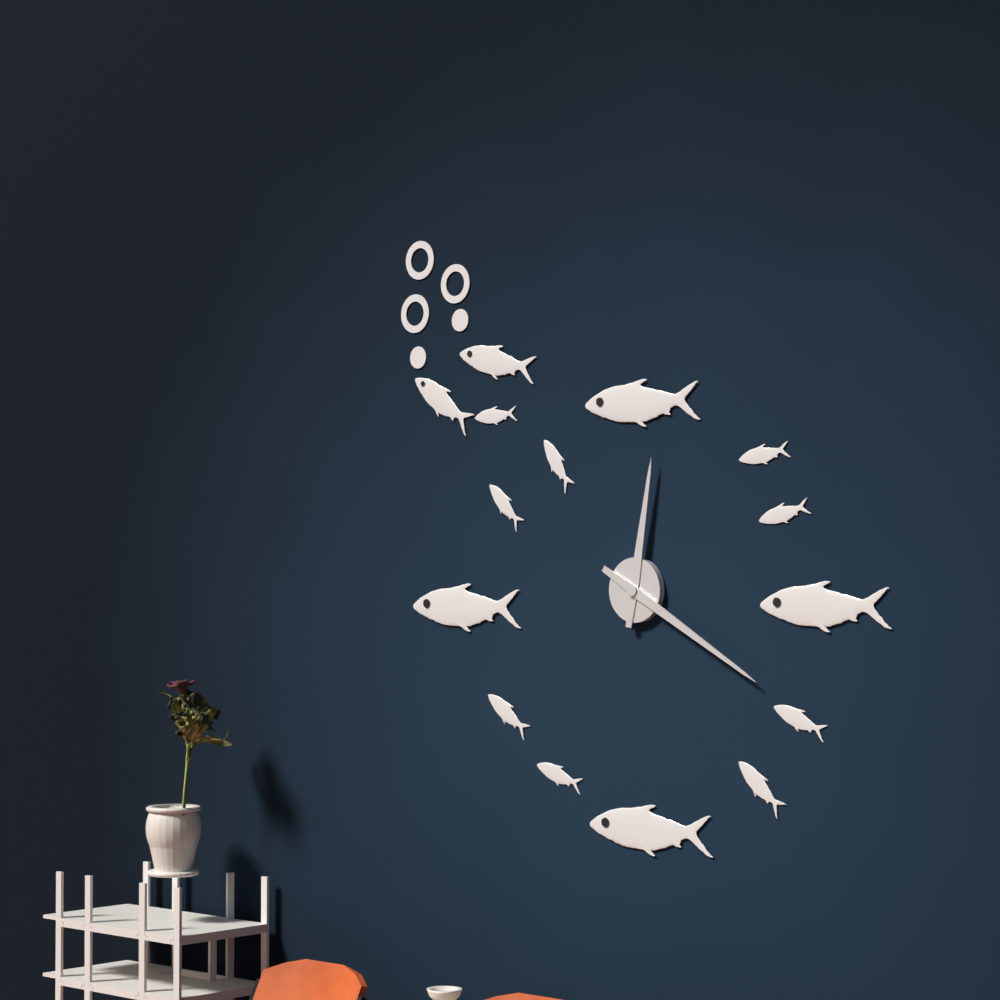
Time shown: {"hour": 12, "minute": 20}
